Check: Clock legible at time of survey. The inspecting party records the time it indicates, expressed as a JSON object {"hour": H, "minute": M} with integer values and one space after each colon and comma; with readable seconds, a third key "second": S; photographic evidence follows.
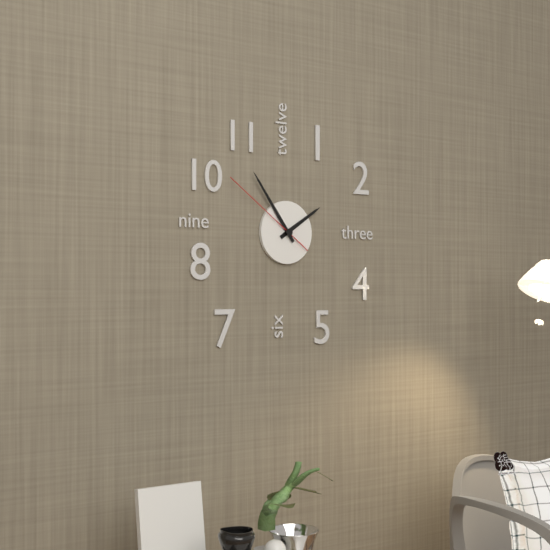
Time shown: {"hour": 1, "minute": 54, "second": 51}
